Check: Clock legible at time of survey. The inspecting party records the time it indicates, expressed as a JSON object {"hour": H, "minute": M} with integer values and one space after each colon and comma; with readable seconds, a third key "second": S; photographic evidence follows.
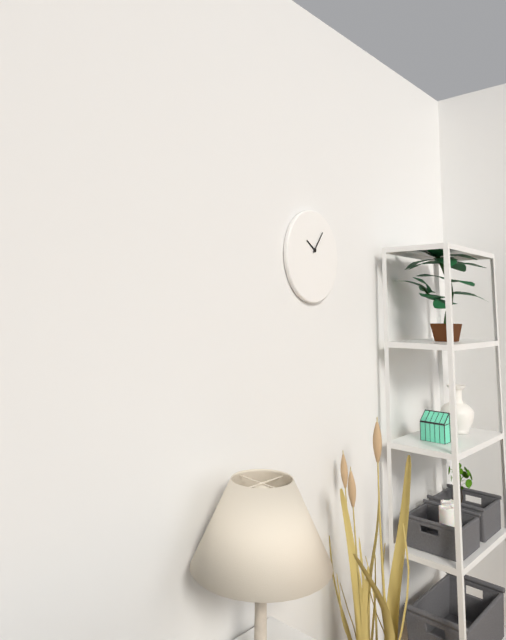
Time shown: {"hour": 10, "minute": 6}
